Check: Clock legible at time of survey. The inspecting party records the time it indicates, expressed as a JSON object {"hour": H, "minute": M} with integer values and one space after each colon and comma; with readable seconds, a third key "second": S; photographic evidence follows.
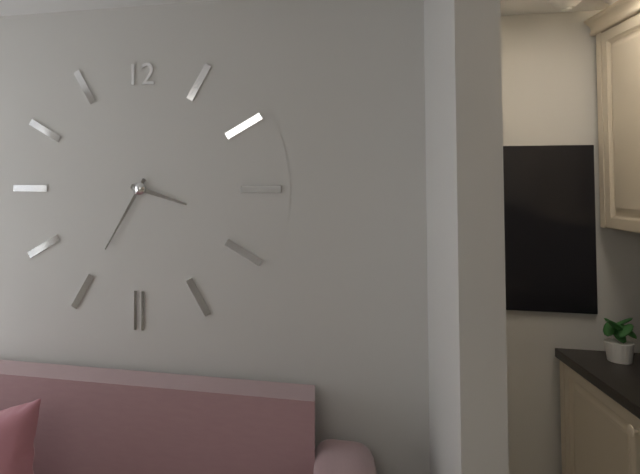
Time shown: {"hour": 3, "minute": 35}
